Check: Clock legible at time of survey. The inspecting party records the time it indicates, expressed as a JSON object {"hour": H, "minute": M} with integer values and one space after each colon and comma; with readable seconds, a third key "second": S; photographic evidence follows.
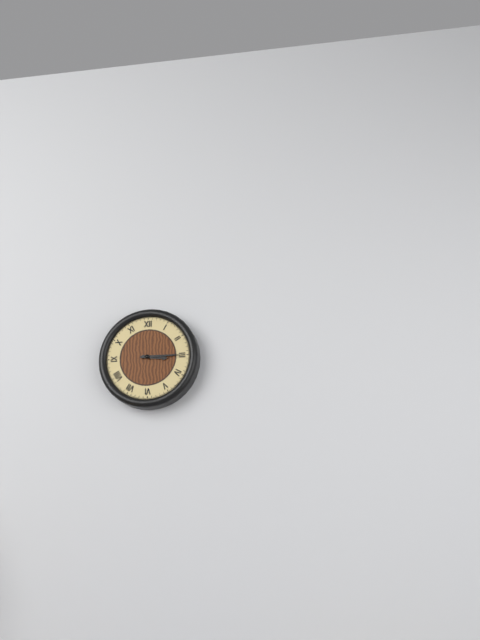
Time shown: {"hour": 3, "minute": 15}
